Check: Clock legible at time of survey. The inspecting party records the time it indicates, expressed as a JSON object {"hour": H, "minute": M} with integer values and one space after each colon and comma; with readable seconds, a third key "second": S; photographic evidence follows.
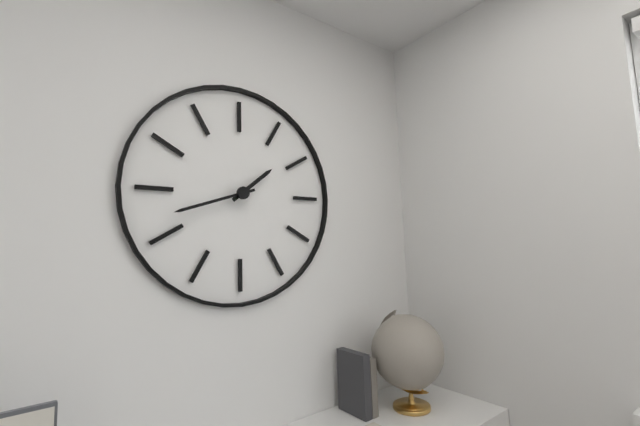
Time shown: {"hour": 1, "minute": 42}
